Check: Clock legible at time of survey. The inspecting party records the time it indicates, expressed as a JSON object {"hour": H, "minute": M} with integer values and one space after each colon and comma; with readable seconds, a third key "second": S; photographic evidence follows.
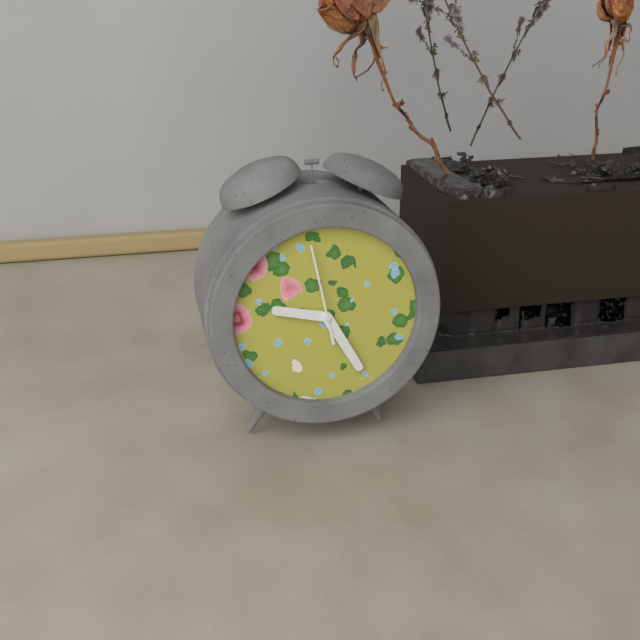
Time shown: {"hour": 9, "minute": 25, "second": 58}
